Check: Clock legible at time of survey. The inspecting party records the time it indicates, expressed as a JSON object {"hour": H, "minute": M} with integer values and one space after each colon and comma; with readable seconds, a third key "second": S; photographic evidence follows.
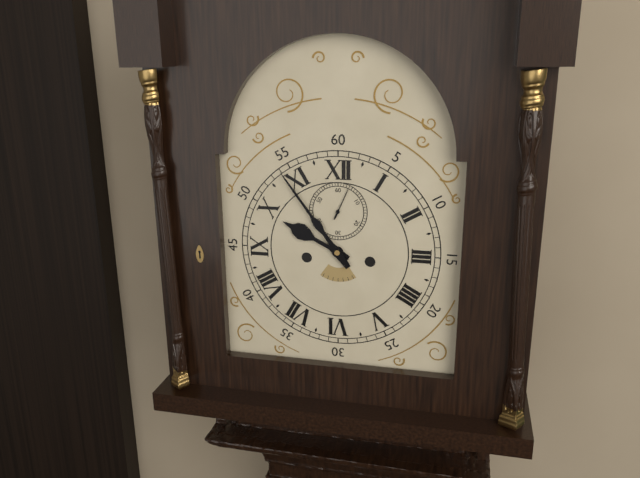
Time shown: {"hour": 9, "minute": 54}
